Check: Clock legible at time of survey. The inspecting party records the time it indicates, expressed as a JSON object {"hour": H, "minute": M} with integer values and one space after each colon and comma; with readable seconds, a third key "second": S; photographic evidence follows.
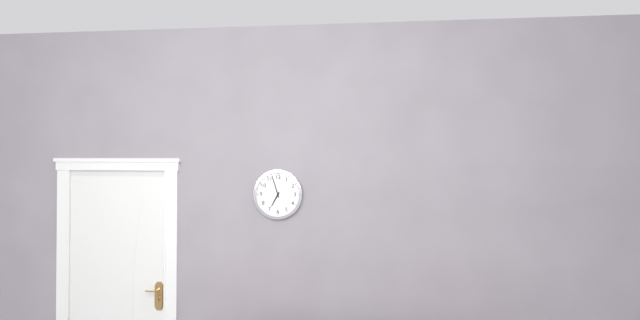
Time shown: {"hour": 6, "minute": 57}
